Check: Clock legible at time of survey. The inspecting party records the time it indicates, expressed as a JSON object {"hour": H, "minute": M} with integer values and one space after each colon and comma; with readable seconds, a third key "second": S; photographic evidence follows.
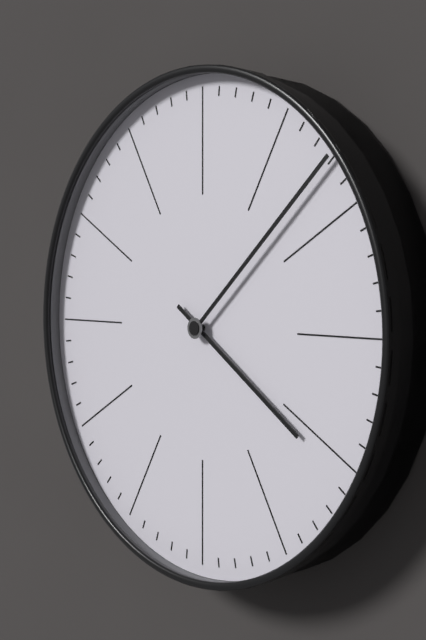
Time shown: {"hour": 4, "minute": 8}
